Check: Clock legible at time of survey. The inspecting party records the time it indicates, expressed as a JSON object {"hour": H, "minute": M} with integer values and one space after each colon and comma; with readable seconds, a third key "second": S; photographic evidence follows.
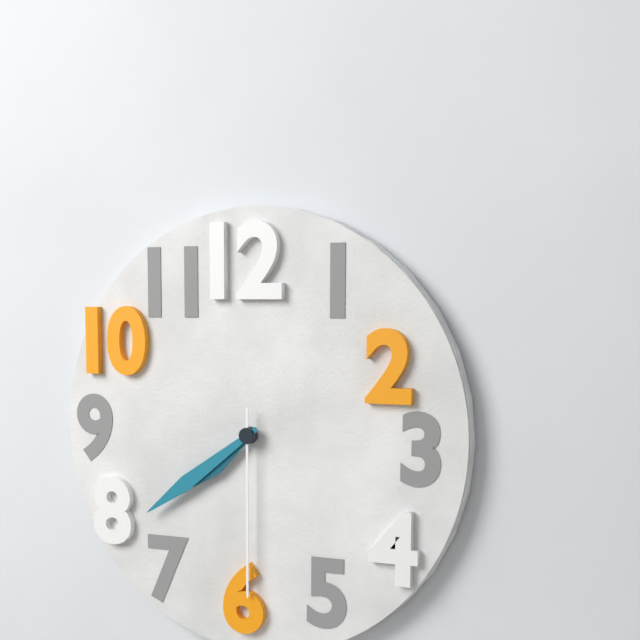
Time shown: {"hour": 7, "minute": 39, "second": 30}
